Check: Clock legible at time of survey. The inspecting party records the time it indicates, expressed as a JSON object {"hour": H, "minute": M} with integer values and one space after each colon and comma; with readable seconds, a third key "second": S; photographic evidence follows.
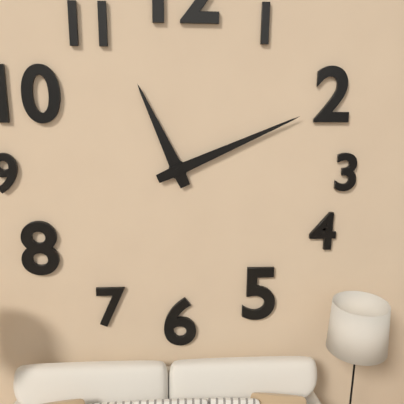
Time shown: {"hour": 11, "minute": 11}
